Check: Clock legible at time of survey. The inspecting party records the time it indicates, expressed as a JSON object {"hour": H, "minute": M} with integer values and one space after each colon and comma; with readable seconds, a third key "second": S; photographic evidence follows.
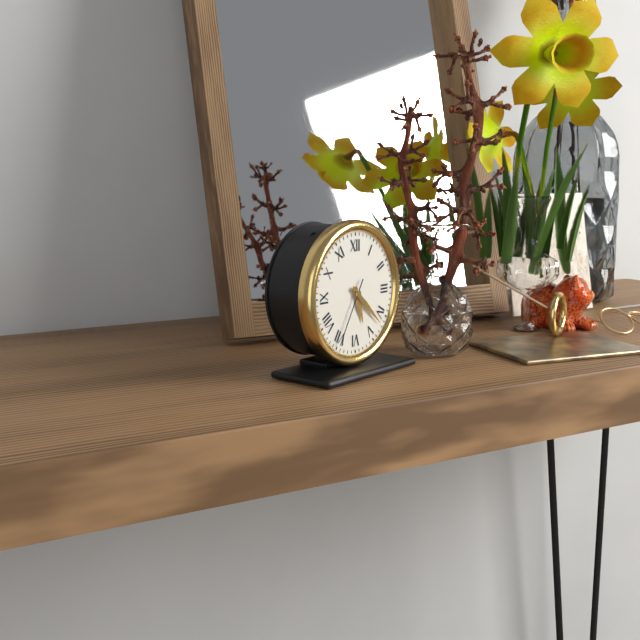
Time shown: {"hour": 5, "minute": 22, "second": 35}
